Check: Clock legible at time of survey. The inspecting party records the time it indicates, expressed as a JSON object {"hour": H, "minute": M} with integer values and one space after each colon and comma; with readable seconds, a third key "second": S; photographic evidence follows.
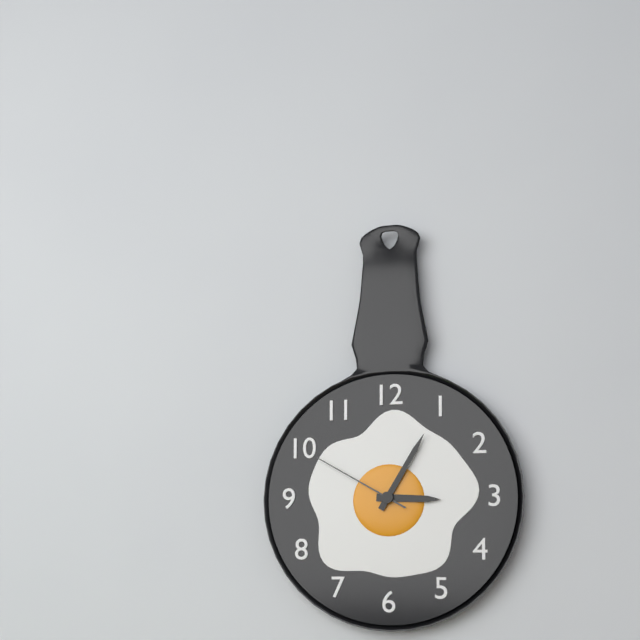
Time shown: {"hour": 3, "minute": 5, "second": 50}
